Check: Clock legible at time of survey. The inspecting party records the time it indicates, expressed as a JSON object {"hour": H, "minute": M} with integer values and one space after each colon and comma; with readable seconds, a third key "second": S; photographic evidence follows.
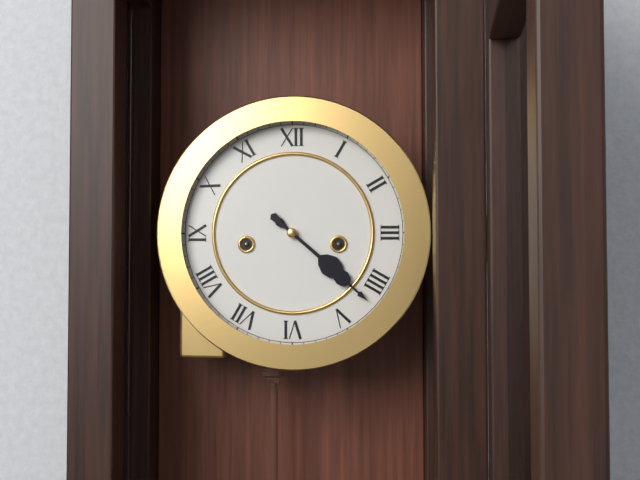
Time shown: {"hour": 4, "minute": 22}
